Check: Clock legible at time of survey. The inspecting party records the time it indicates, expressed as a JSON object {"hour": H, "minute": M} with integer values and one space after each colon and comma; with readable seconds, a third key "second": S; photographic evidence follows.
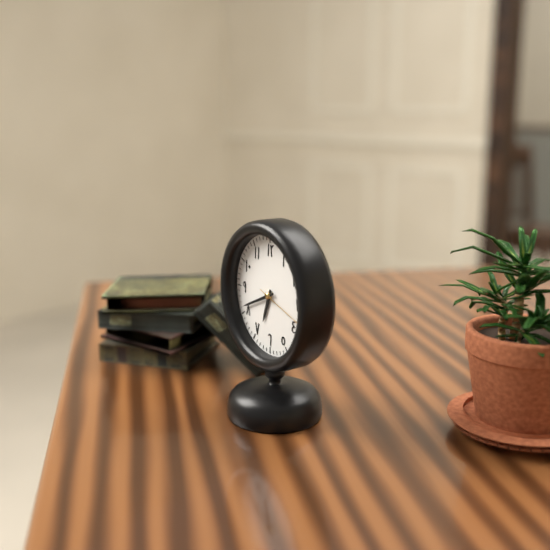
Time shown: {"hour": 6, "minute": 41, "second": 18}
